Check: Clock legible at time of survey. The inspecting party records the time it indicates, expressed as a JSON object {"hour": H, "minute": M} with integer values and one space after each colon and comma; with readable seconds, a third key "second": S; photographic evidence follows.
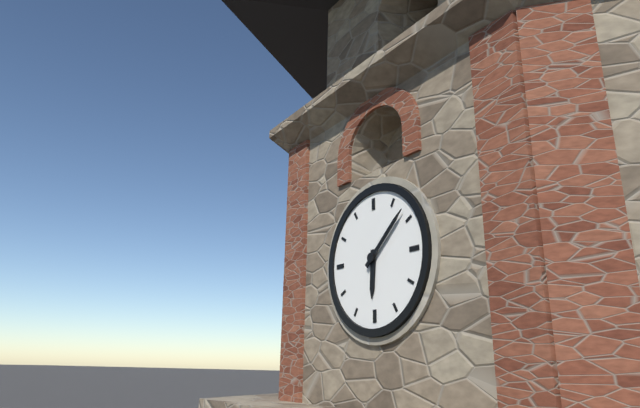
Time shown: {"hour": 6, "minute": 8}
